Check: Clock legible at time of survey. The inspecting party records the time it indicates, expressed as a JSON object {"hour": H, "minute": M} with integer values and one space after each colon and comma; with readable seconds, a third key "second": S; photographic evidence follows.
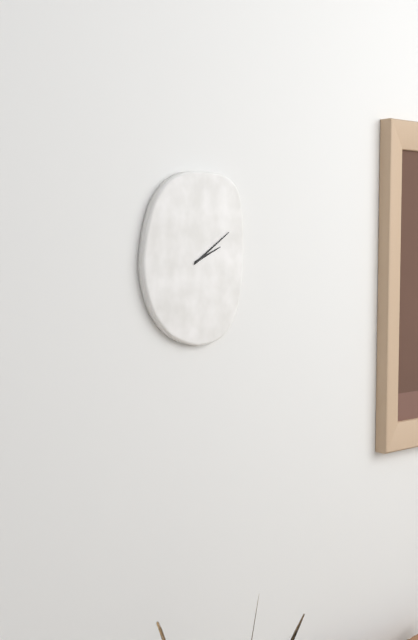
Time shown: {"hour": 2, "minute": 9}
